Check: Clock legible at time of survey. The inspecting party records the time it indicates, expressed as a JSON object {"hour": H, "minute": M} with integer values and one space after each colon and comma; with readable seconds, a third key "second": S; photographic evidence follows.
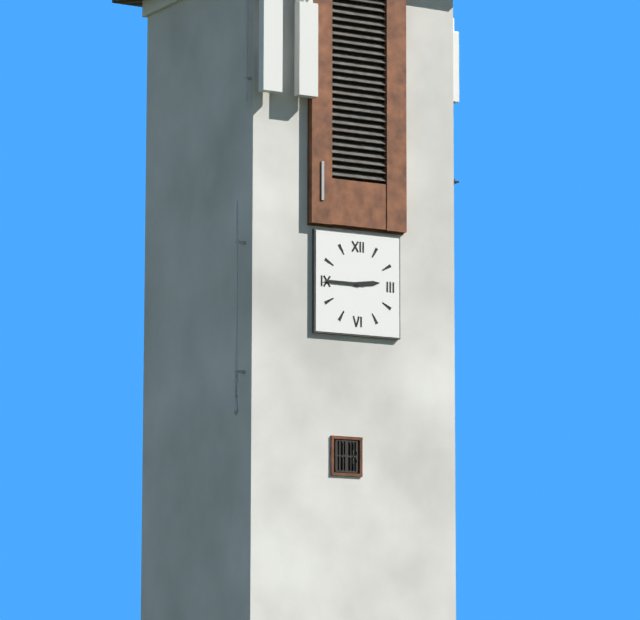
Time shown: {"hour": 2, "minute": 45}
